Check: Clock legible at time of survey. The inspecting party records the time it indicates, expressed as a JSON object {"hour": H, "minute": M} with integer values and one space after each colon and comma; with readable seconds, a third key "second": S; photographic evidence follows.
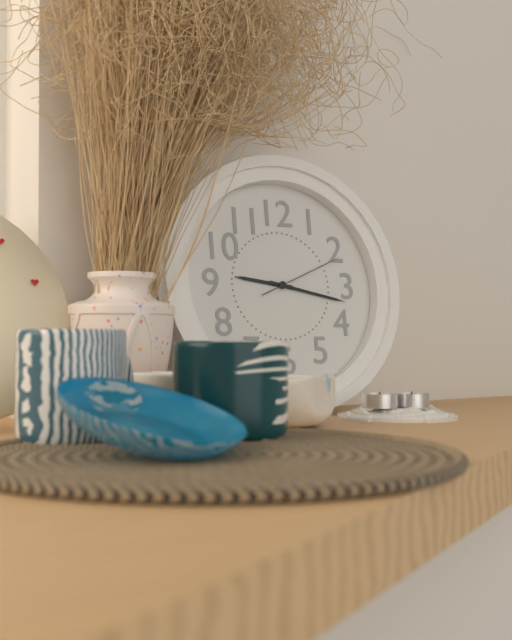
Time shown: {"hour": 9, "minute": 17, "second": 11}
